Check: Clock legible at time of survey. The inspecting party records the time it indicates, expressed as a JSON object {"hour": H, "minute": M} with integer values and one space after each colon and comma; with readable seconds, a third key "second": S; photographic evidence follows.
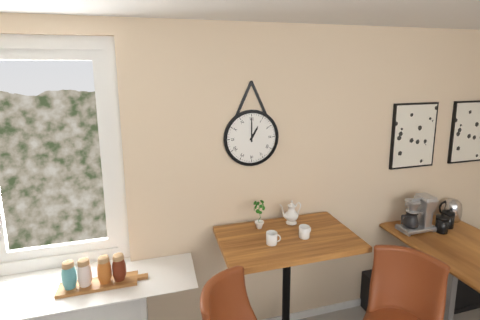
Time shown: {"hour": 1, "minute": 0}
